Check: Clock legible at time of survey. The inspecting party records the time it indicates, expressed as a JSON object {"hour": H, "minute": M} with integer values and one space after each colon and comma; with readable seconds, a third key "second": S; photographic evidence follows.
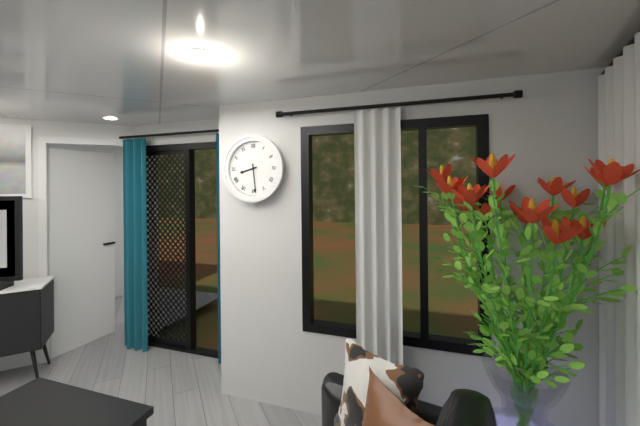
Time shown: {"hour": 8, "minute": 29}
